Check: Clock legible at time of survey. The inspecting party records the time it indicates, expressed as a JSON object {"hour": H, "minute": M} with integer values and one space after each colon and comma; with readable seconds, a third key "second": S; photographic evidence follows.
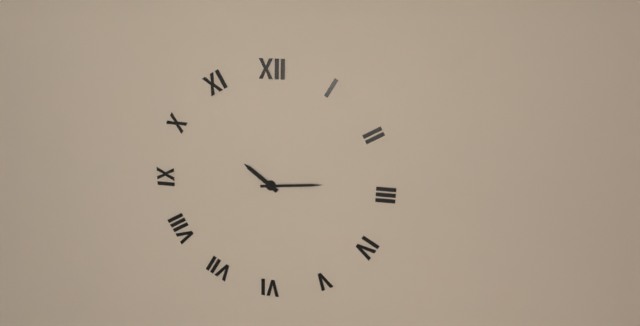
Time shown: {"hour": 10, "minute": 14}
